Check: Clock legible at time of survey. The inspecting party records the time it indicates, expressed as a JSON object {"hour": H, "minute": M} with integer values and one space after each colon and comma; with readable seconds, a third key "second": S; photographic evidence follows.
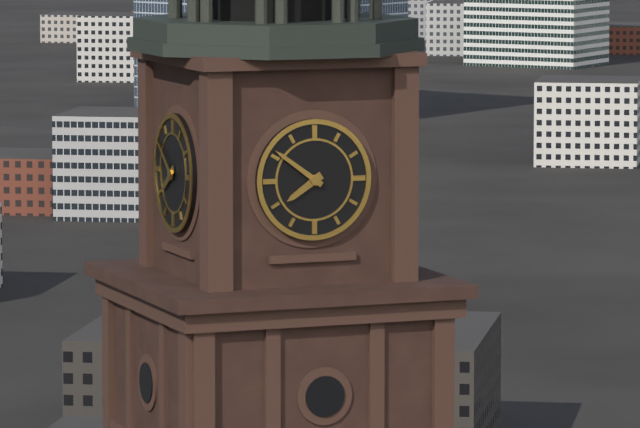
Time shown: {"hour": 7, "minute": 51}
